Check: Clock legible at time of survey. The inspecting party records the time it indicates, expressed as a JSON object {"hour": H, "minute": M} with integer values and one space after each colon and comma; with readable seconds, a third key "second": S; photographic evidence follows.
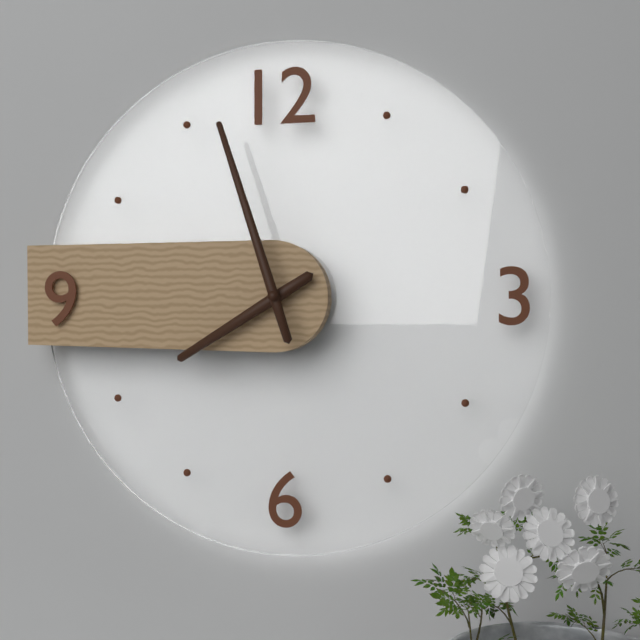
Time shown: {"hour": 7, "minute": 57}
